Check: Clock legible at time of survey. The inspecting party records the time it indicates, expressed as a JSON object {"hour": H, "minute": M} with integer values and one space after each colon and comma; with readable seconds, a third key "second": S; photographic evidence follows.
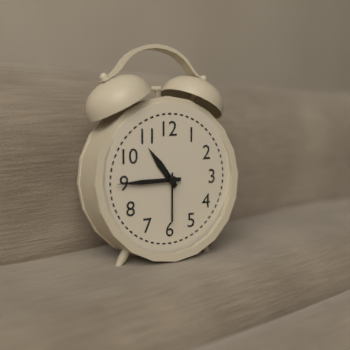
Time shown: {"hour": 10, "minute": 45, "second": 30}
